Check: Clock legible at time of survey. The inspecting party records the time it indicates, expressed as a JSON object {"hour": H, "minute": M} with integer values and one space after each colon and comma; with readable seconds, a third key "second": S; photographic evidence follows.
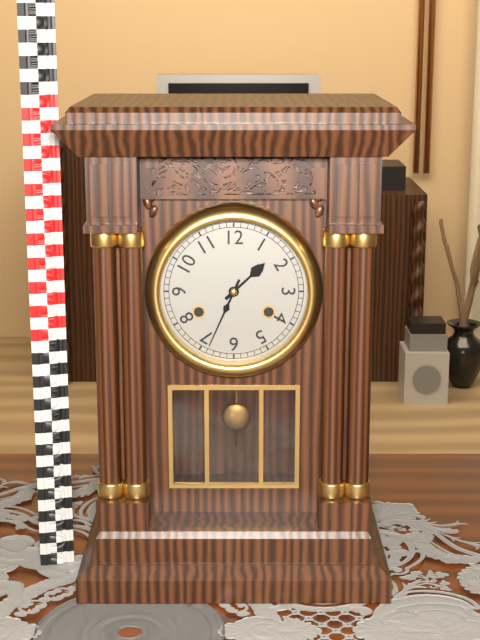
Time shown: {"hour": 1, "minute": 34}
